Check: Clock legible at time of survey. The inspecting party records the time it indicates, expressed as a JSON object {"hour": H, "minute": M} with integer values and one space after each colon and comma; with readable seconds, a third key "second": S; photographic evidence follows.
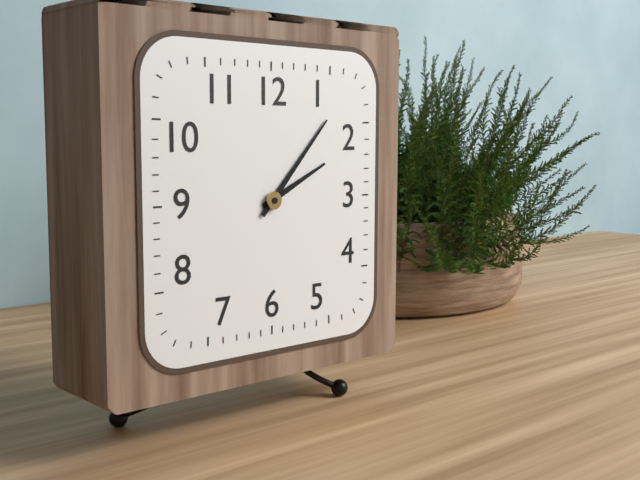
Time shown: {"hour": 2, "minute": 7}
